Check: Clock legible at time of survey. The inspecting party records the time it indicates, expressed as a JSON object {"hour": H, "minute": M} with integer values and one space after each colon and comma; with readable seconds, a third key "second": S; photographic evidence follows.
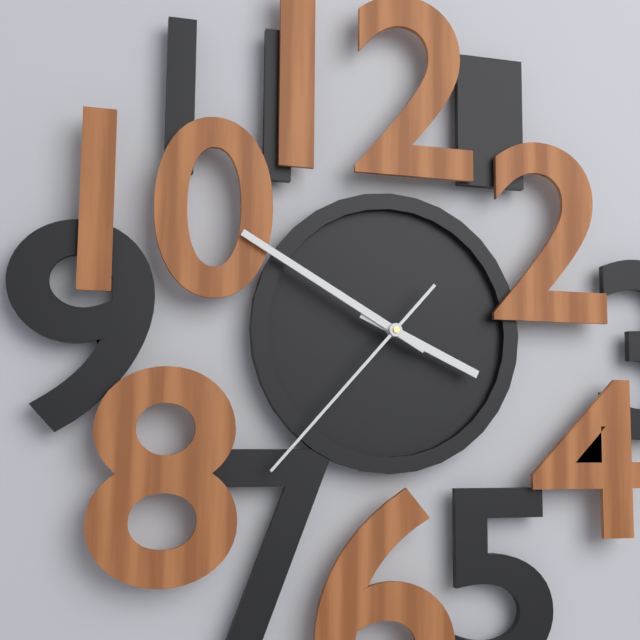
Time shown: {"hour": 3, "minute": 50, "second": 37}
